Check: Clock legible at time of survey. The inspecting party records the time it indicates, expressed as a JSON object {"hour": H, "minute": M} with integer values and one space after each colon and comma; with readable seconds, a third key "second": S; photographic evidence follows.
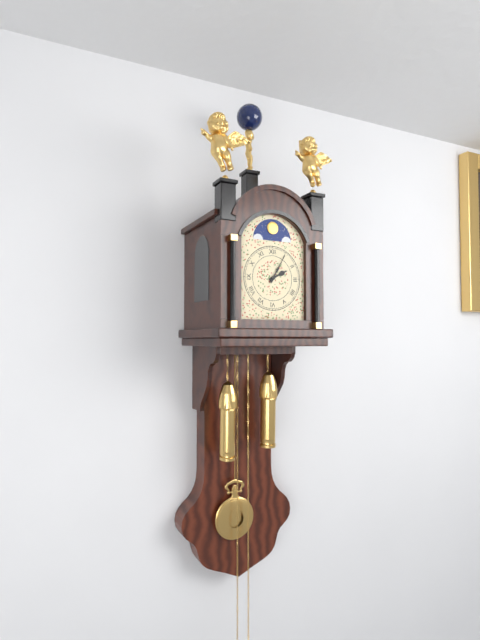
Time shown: {"hour": 2, "minute": 5}
